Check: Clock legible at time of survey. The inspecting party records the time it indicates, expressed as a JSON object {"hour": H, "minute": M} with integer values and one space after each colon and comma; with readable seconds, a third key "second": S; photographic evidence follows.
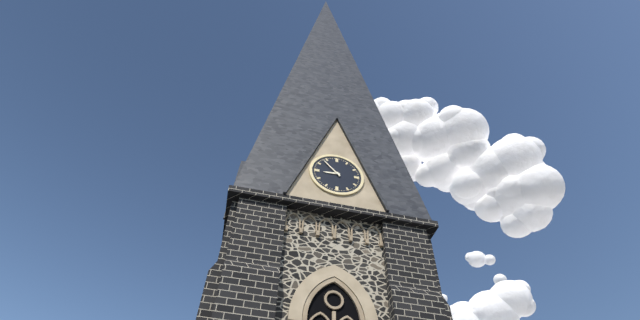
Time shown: {"hour": 8, "minute": 53}
